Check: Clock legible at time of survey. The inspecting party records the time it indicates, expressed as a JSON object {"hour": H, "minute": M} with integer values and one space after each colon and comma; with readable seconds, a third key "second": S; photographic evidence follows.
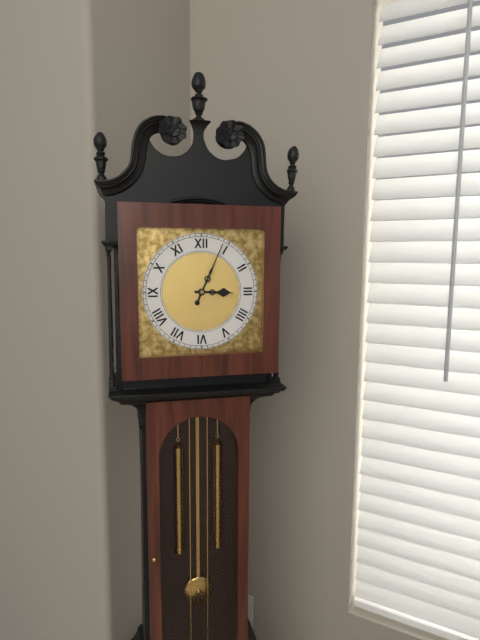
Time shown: {"hour": 3, "minute": 4}
